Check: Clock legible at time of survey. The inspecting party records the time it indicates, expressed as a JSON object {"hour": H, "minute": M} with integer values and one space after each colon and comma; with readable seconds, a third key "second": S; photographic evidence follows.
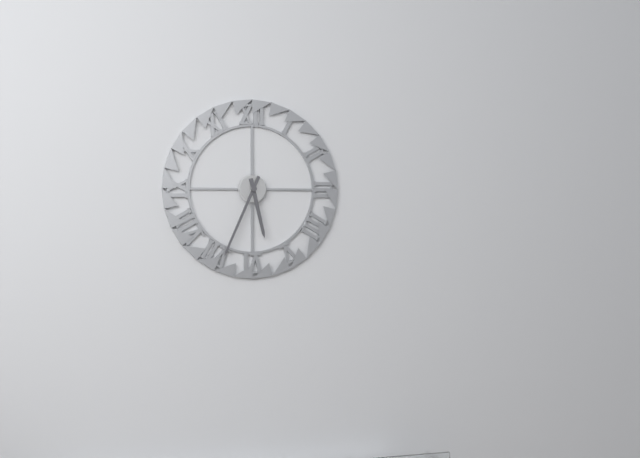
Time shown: {"hour": 5, "minute": 34}
